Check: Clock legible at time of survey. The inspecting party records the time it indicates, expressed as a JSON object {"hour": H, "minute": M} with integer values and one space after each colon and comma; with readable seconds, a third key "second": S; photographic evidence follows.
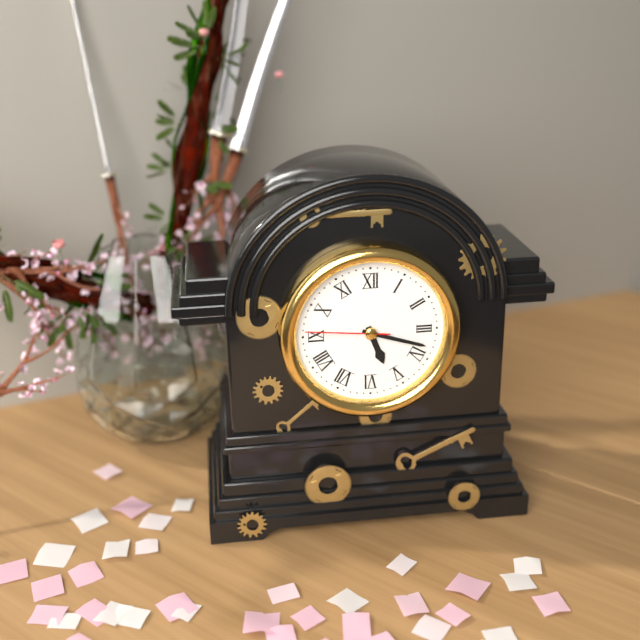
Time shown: {"hour": 5, "minute": 18, "second": 46}
